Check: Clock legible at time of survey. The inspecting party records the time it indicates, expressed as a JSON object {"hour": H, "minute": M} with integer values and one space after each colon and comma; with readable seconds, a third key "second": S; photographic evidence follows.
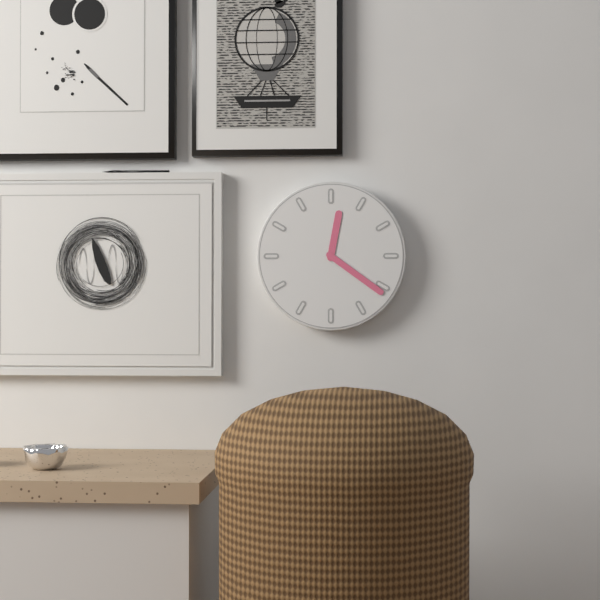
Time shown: {"hour": 12, "minute": 21}
